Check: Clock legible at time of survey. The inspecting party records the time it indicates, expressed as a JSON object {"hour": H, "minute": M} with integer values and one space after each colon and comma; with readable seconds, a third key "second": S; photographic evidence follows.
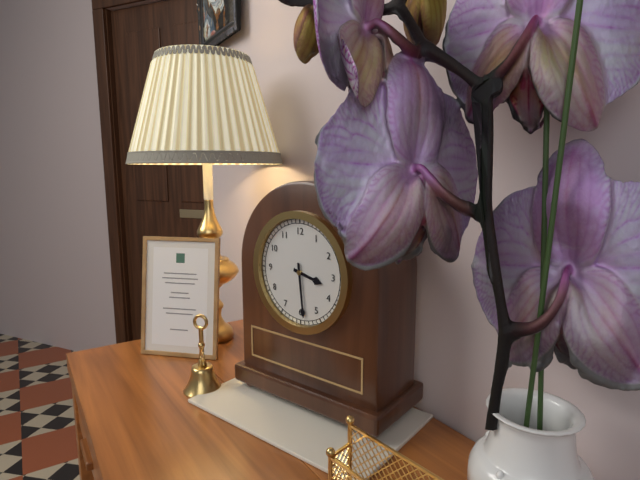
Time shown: {"hour": 3, "minute": 29}
